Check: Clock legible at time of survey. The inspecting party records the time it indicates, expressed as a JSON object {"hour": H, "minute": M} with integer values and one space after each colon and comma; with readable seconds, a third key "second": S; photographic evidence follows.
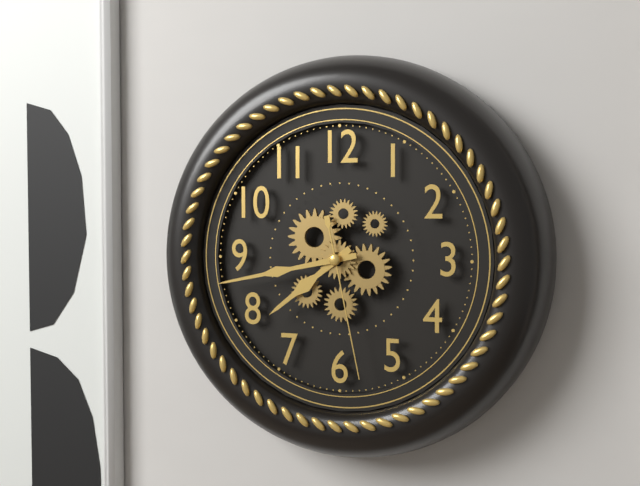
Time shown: {"hour": 7, "minute": 43, "second": 28}
